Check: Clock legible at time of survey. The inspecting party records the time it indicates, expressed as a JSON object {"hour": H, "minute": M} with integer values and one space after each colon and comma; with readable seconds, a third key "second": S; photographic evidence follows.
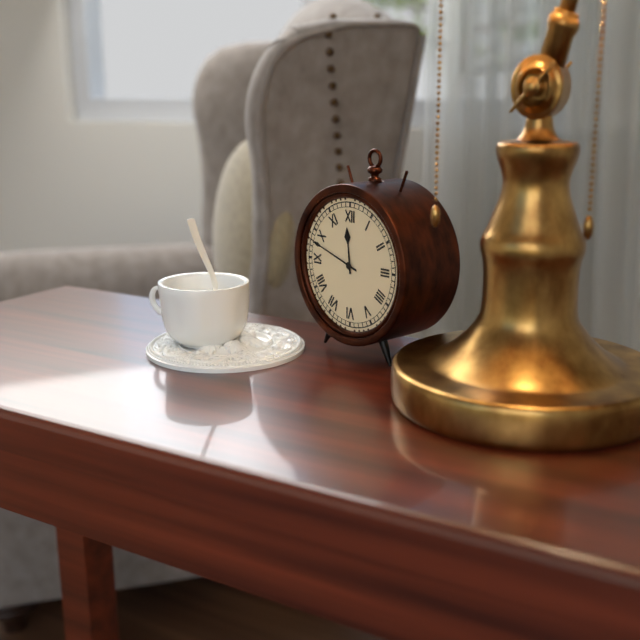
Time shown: {"hour": 11, "minute": 48}
